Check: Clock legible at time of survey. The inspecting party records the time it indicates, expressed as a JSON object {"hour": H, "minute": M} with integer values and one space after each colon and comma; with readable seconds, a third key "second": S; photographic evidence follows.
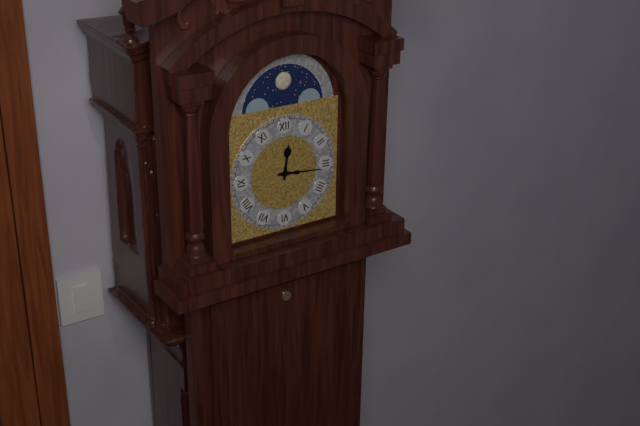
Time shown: {"hour": 12, "minute": 16}
